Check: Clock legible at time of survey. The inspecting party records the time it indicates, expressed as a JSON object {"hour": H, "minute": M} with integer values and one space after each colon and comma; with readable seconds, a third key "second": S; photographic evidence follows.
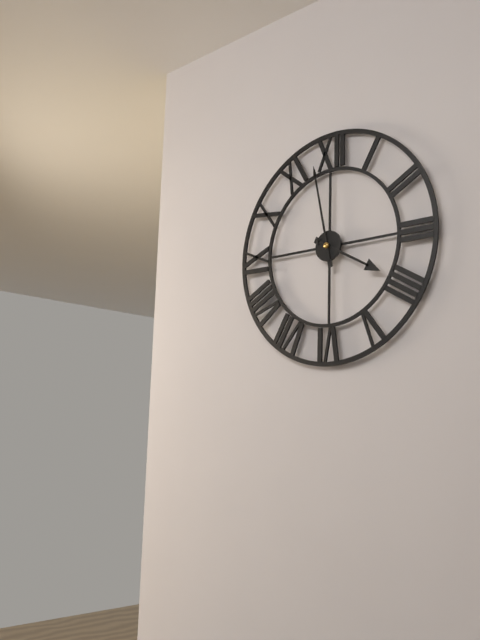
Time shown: {"hour": 3, "minute": 58}
